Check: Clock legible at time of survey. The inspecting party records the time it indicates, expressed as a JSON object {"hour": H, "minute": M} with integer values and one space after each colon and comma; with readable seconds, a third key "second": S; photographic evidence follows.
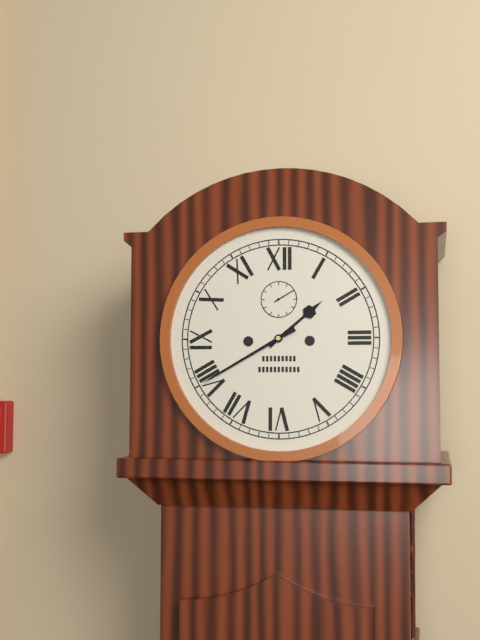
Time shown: {"hour": 1, "minute": 40}
